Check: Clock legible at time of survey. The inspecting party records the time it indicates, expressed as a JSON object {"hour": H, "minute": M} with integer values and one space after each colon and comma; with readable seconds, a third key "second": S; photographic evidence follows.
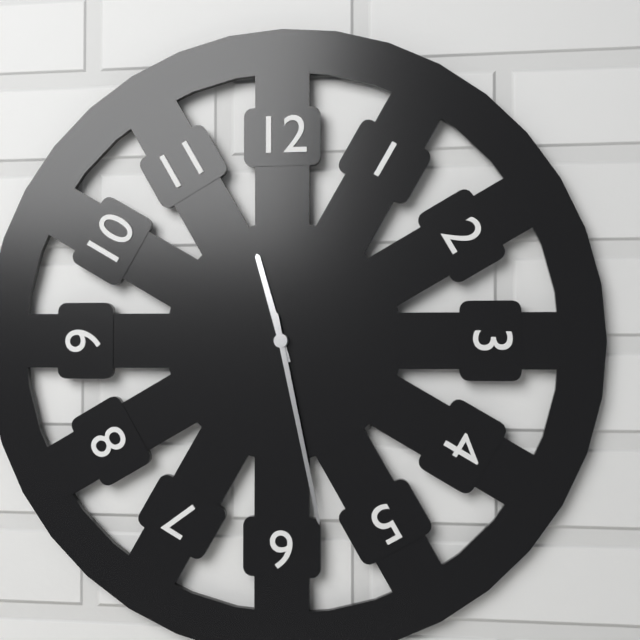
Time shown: {"hour": 11, "minute": 28}
